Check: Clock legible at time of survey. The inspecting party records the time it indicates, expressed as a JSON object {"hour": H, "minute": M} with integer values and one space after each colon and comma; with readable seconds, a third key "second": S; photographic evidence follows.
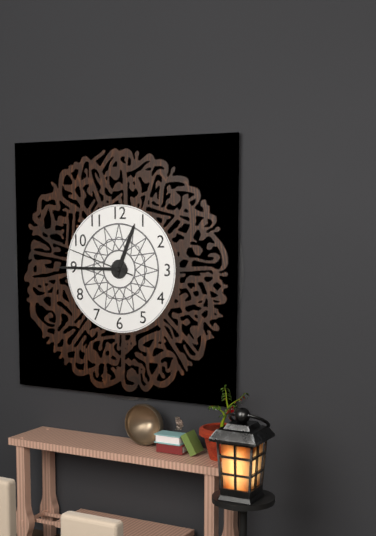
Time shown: {"hour": 12, "minute": 45, "second": 48}
